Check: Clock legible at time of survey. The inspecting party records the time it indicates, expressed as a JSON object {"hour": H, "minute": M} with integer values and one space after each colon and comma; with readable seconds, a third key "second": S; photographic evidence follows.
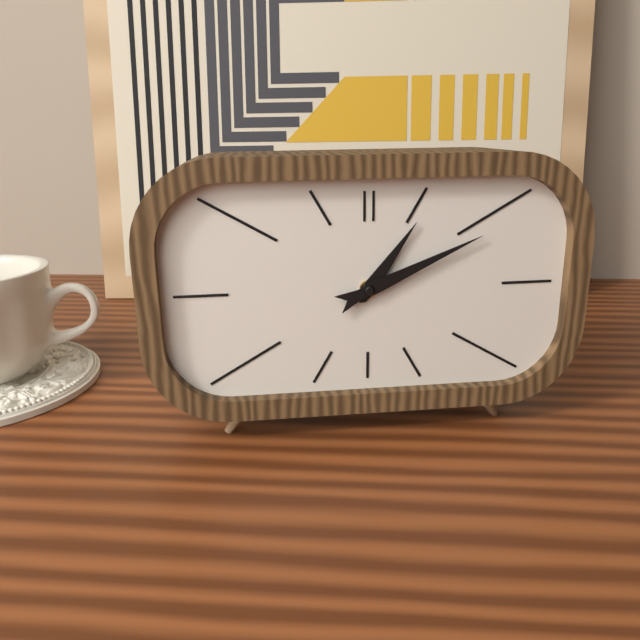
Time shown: {"hour": 1, "minute": 11}
